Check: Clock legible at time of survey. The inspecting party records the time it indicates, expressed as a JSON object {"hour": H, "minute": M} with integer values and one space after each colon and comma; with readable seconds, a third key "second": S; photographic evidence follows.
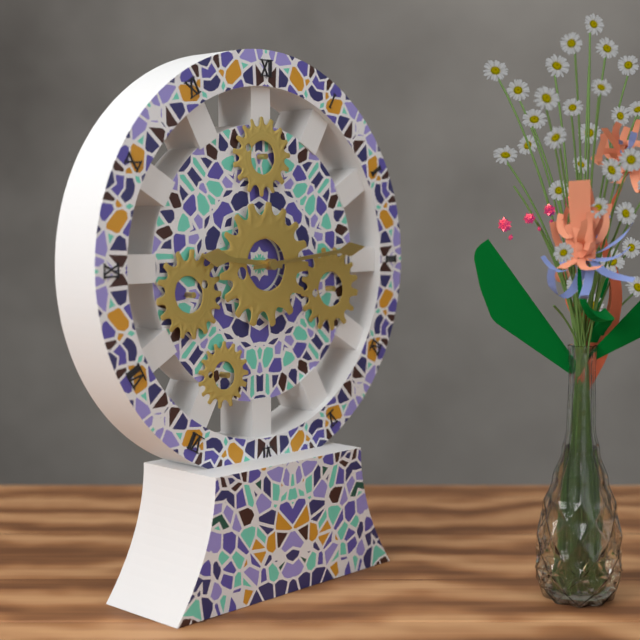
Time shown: {"hour": 9, "minute": 14}
